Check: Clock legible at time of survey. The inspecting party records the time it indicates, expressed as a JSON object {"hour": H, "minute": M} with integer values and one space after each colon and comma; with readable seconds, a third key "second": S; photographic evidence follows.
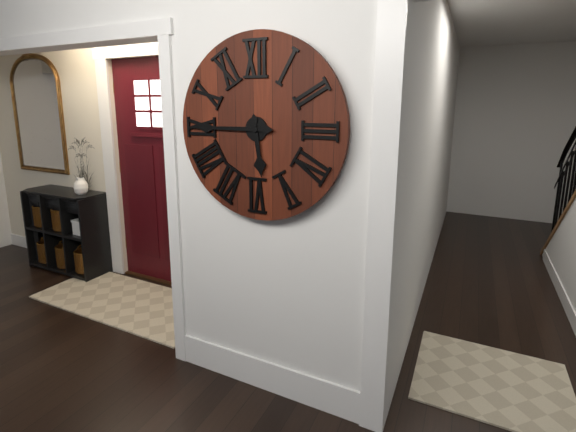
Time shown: {"hour": 5, "minute": 45}
